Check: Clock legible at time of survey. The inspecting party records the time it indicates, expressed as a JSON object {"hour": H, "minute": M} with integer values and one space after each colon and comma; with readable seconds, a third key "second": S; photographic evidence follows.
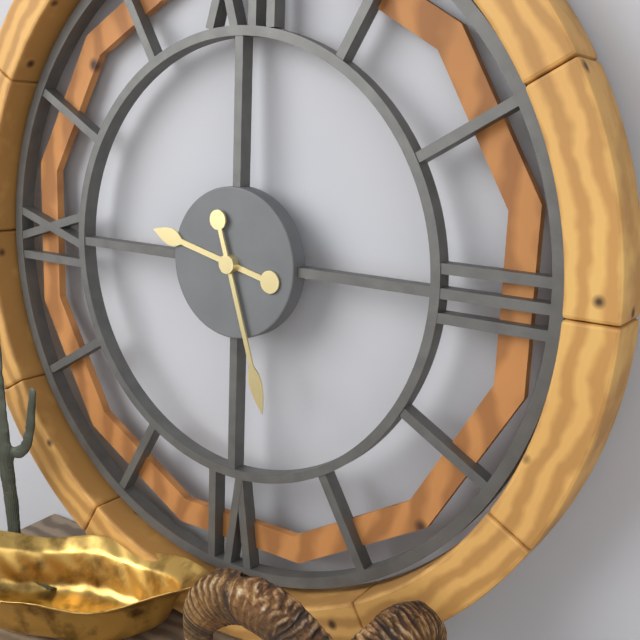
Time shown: {"hour": 9, "minute": 27}
